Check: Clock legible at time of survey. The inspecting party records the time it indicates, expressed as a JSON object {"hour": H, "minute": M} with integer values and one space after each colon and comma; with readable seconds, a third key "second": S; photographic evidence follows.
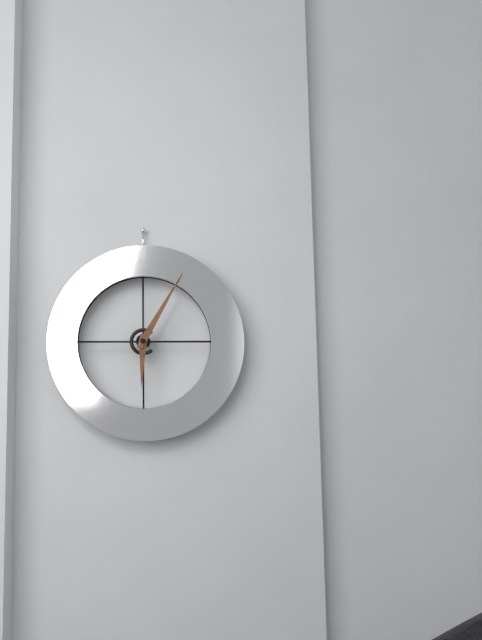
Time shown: {"hour": 6, "minute": 5}
